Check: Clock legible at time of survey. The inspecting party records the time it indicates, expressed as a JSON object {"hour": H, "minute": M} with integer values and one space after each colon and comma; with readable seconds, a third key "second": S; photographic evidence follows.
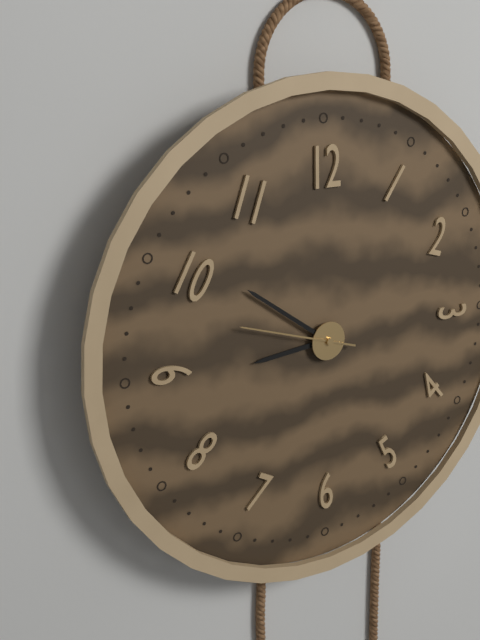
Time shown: {"hour": 8, "minute": 51, "second": 48}
